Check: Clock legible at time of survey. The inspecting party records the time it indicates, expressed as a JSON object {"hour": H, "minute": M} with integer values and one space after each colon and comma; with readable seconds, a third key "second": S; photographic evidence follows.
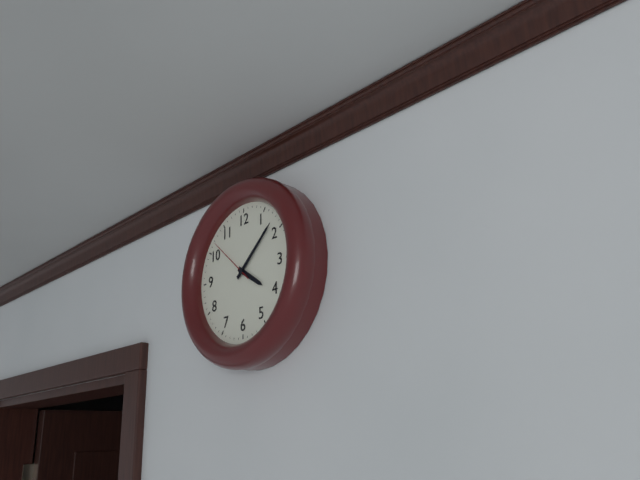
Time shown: {"hour": 4, "minute": 8}
